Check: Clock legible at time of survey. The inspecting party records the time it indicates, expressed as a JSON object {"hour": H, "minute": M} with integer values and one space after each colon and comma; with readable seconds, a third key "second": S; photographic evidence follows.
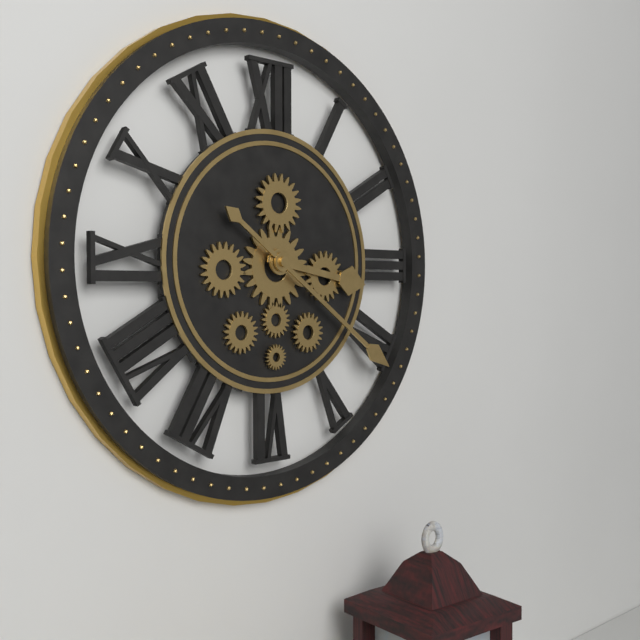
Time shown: {"hour": 3, "minute": 21}
